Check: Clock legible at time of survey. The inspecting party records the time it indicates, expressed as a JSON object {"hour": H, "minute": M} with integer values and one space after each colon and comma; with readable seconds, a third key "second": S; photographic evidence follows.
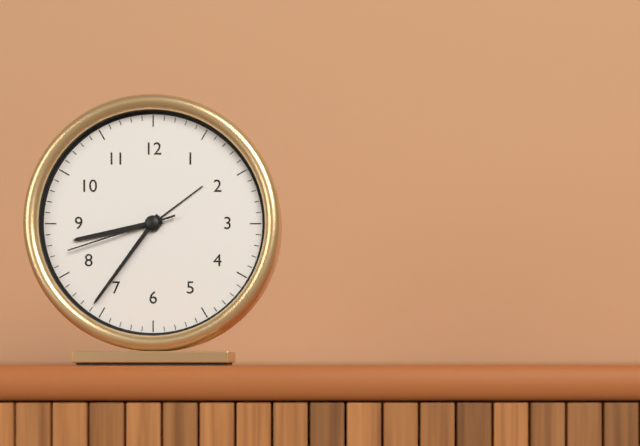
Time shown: {"hour": 8, "minute": 36, "second": 42}
